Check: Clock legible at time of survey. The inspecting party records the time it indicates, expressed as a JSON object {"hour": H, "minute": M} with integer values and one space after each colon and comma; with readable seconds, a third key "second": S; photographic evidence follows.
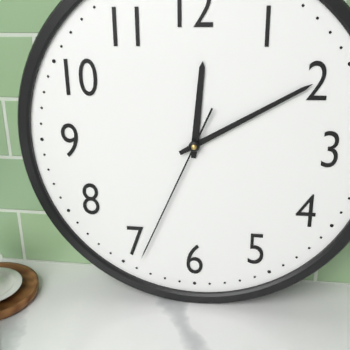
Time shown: {"hour": 12, "minute": 10, "second": 34}
